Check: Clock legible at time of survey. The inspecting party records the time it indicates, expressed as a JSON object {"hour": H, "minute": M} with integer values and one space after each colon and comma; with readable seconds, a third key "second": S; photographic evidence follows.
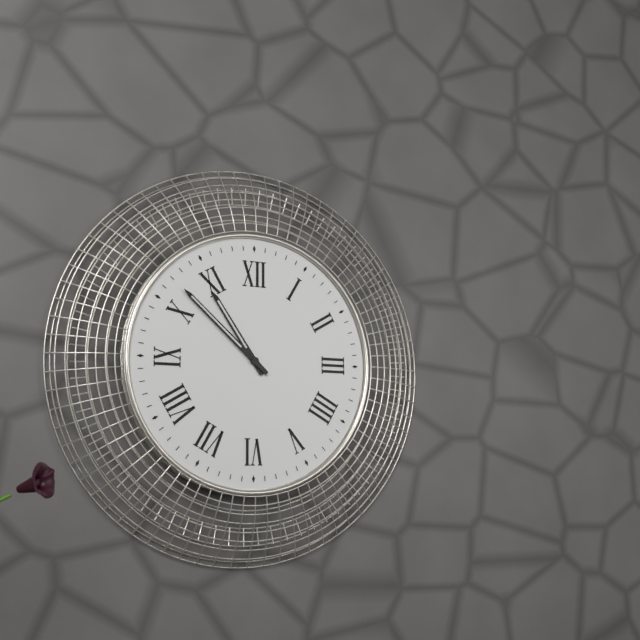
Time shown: {"hour": 10, "minute": 52}
